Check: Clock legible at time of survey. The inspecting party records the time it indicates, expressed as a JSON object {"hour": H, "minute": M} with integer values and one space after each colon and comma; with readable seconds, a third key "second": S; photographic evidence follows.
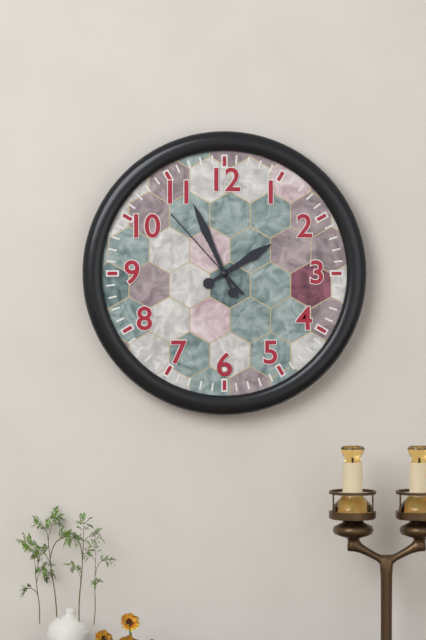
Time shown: {"hour": 1, "minute": 56, "second": 53}
